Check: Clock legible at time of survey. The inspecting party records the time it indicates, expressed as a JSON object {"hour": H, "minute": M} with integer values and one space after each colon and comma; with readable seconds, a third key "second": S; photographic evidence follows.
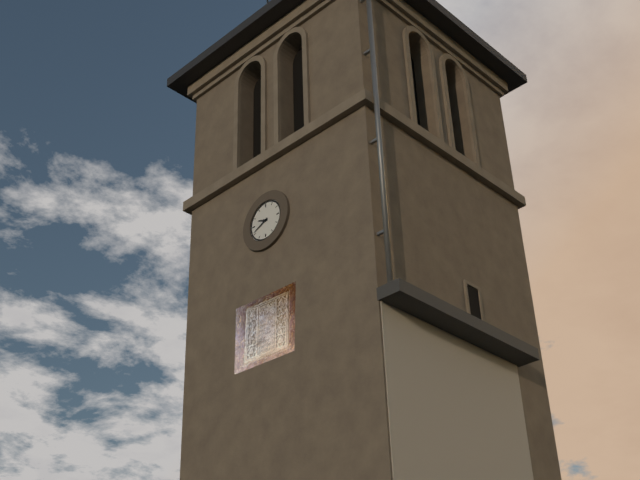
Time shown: {"hour": 9, "minute": 41}
